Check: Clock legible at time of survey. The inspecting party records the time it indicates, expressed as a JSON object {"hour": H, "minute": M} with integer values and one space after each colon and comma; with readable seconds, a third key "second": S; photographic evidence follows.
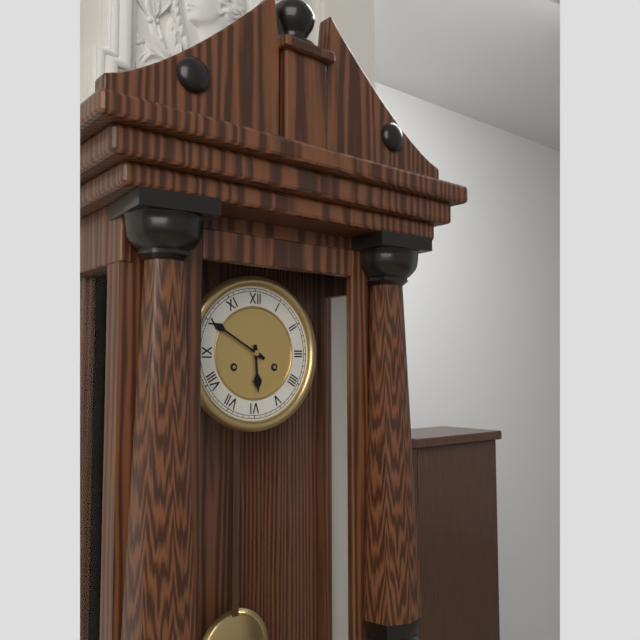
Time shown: {"hour": 5, "minute": 50}
